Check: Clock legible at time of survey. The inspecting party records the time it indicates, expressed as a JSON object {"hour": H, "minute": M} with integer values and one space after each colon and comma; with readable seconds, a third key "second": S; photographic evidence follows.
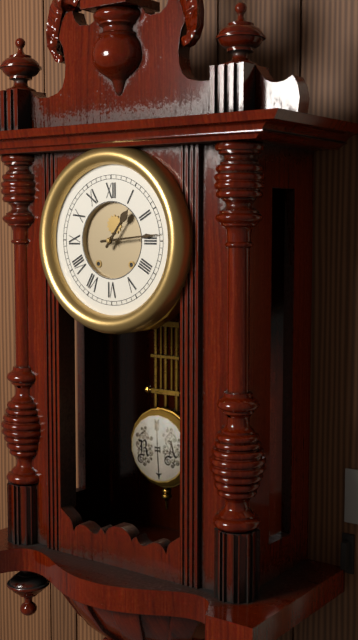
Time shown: {"hour": 1, "minute": 14}
